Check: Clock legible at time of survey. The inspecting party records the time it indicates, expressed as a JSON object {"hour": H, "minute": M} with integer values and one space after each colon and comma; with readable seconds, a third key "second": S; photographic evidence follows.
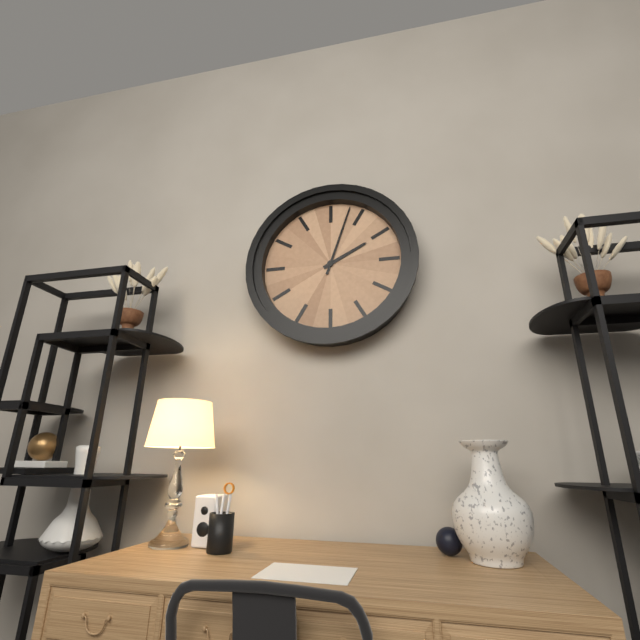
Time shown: {"hour": 2, "minute": 3}
